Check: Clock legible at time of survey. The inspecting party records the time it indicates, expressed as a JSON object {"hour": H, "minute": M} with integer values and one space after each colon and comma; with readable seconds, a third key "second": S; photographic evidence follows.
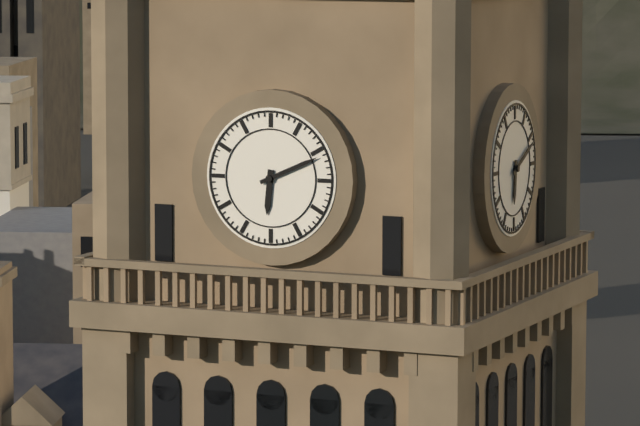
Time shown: {"hour": 6, "minute": 11}
